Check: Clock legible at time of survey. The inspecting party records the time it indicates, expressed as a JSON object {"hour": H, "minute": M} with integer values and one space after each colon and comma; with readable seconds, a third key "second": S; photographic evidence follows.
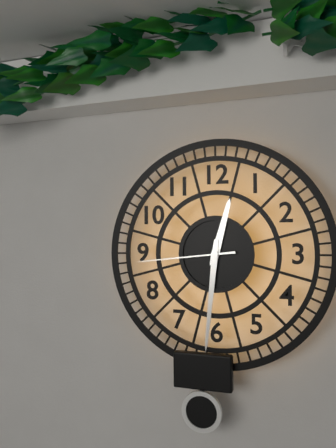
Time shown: {"hour": 12, "minute": 31, "second": 44}
